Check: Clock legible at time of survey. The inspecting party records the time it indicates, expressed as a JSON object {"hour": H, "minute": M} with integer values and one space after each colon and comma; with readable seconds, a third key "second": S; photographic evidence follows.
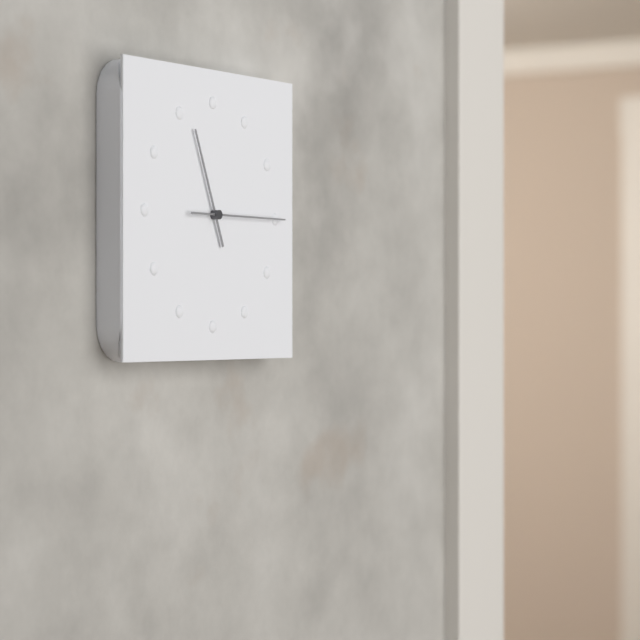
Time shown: {"hour": 11, "minute": 15}
